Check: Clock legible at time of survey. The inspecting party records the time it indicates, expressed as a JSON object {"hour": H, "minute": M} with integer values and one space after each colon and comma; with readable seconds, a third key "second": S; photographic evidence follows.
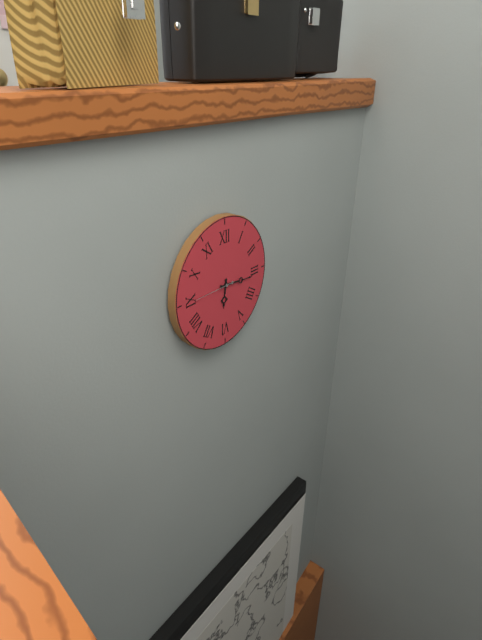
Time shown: {"hour": 6, "minute": 16}
